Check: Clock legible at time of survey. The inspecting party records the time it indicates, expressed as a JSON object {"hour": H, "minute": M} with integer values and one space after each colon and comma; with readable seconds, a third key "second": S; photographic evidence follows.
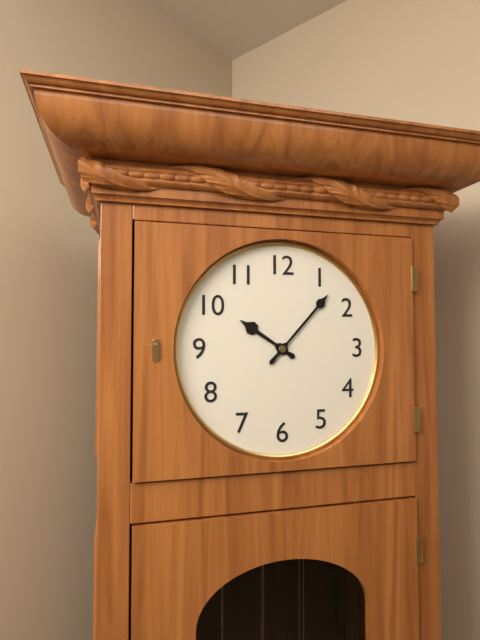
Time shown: {"hour": 10, "minute": 7}
